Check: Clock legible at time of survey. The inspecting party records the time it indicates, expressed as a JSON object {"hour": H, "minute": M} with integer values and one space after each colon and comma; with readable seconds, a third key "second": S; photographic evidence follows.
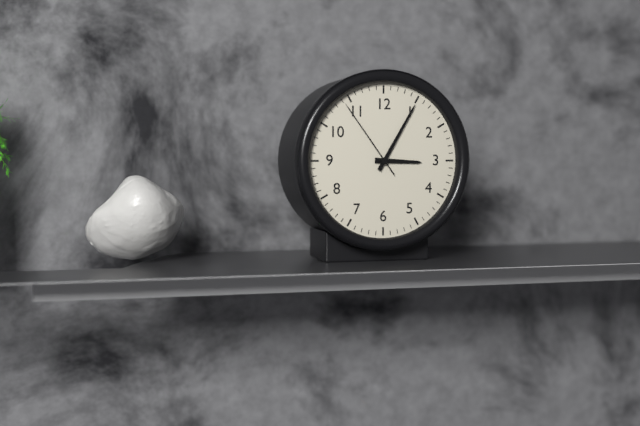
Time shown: {"hour": 3, "minute": 5, "second": 54}
